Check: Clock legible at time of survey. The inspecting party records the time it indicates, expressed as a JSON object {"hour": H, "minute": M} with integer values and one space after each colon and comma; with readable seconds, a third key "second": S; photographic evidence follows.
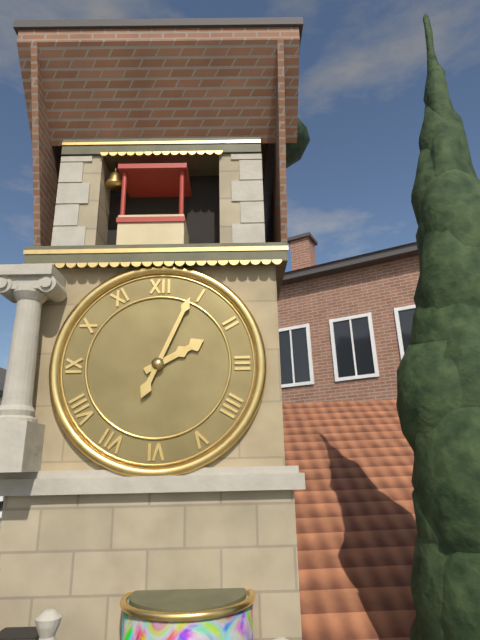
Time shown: {"hour": 2, "minute": 4}
